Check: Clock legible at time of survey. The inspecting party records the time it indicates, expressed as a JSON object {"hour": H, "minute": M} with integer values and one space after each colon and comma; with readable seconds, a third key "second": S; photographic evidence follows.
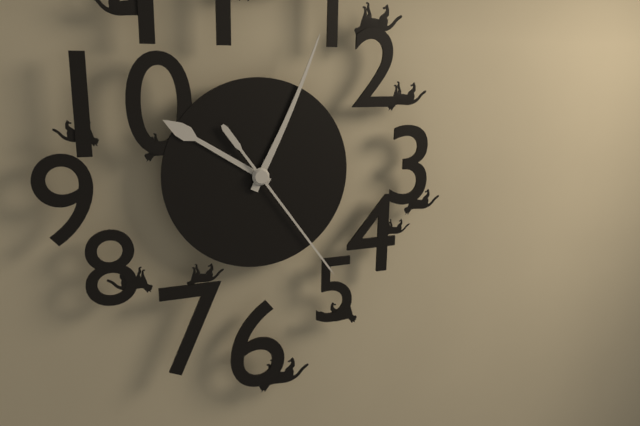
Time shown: {"hour": 10, "minute": 4, "second": 24}
